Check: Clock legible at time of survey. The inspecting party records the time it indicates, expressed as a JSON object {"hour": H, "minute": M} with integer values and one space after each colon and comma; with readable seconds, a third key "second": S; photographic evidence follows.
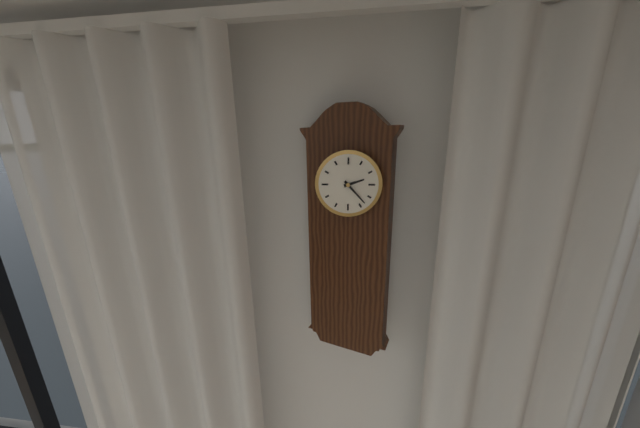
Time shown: {"hour": 2, "minute": 23}
